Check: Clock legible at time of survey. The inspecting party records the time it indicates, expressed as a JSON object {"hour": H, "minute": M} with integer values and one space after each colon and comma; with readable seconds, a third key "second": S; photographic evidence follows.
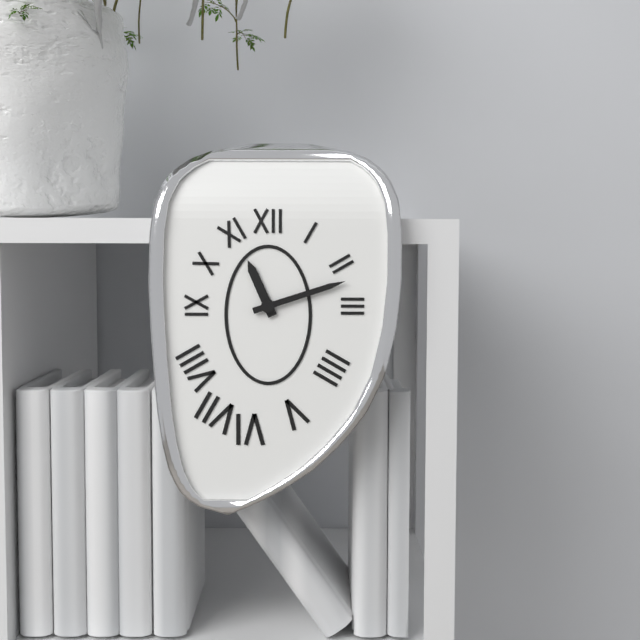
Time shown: {"hour": 11, "minute": 12}
